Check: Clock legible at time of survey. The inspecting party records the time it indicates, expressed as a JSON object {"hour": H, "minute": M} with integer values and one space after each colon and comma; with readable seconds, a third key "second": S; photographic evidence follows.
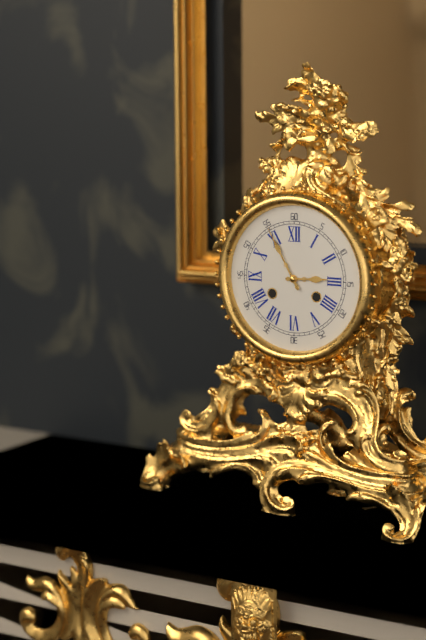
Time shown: {"hour": 2, "minute": 55}
